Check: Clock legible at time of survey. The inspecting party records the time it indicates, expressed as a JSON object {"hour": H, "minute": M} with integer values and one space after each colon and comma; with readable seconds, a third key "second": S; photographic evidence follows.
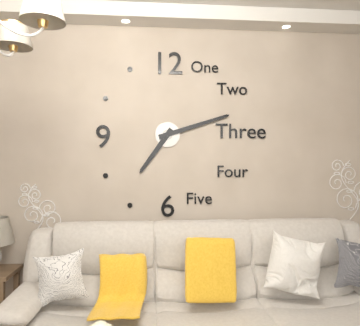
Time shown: {"hour": 7, "minute": 12}
